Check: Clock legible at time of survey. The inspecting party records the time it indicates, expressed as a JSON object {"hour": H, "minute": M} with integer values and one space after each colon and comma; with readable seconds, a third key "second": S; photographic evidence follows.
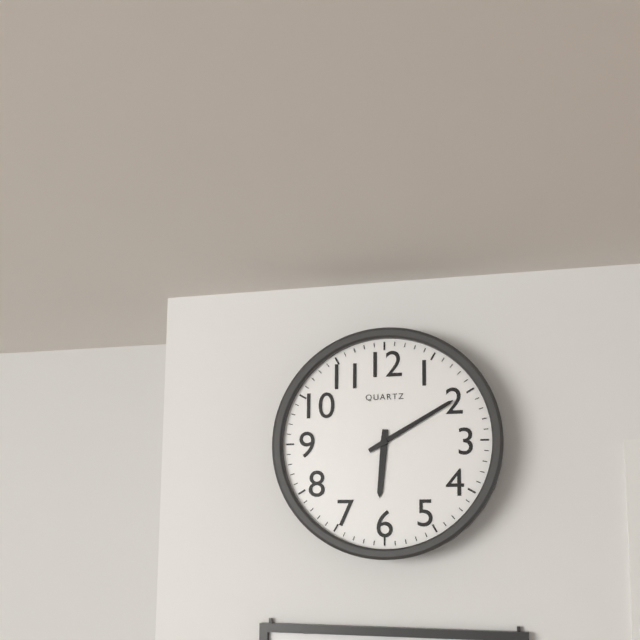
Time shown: {"hour": 6, "minute": 10}
